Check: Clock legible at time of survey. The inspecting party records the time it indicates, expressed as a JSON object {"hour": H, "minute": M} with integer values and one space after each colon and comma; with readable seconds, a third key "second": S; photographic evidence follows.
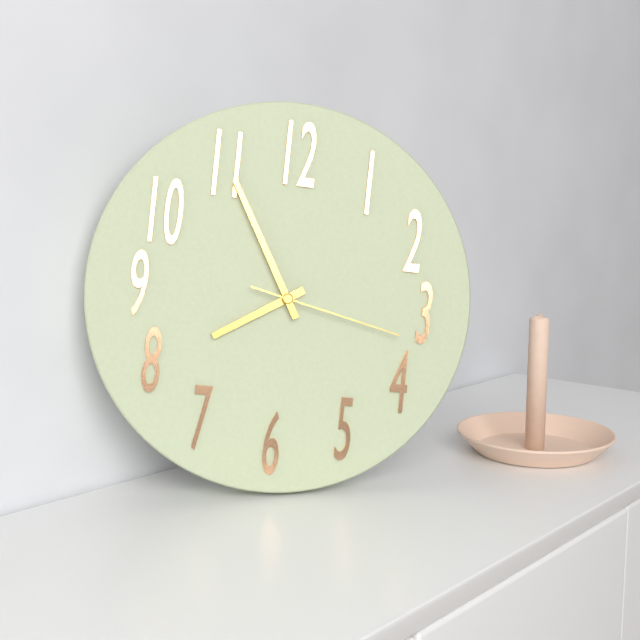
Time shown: {"hour": 7, "minute": 55, "second": 17}
